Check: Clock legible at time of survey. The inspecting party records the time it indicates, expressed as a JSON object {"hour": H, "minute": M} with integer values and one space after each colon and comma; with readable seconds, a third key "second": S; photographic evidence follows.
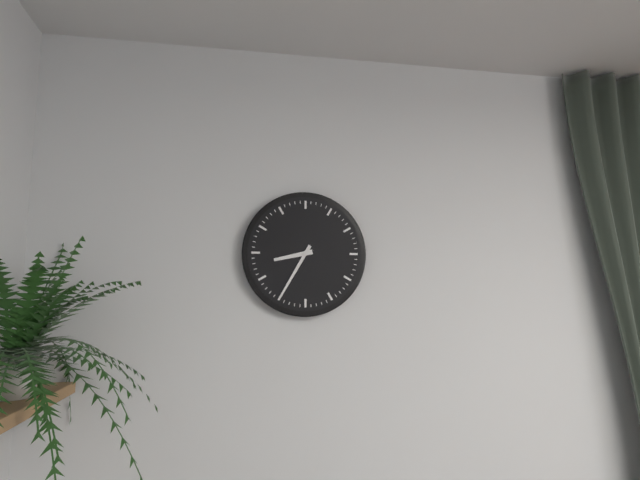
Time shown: {"hour": 8, "minute": 35}
